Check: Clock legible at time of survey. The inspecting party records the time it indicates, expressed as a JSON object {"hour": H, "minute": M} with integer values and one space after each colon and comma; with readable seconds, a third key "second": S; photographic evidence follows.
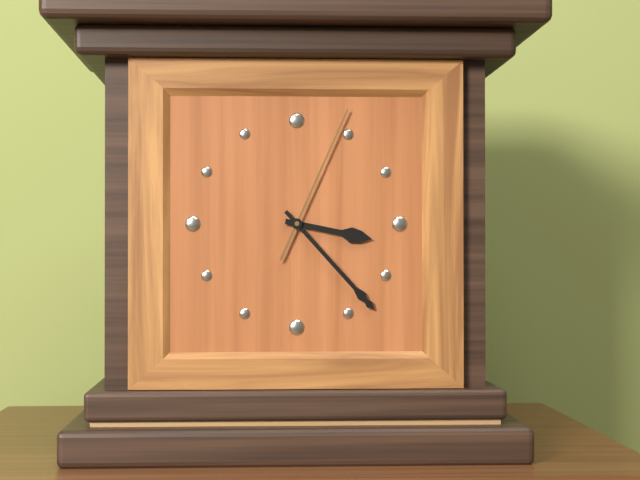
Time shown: {"hour": 3, "minute": 23, "second": 4}
